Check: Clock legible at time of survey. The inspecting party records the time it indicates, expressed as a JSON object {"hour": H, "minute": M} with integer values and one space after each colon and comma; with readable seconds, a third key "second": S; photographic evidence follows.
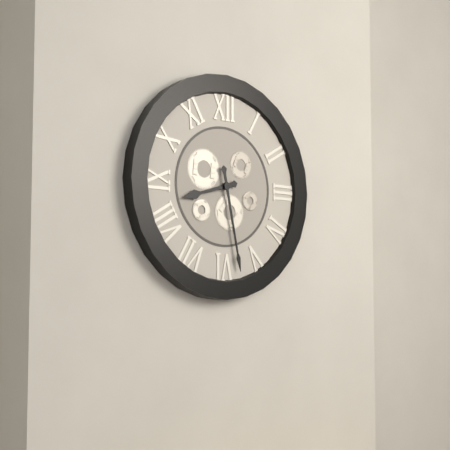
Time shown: {"hour": 8, "minute": 28}
